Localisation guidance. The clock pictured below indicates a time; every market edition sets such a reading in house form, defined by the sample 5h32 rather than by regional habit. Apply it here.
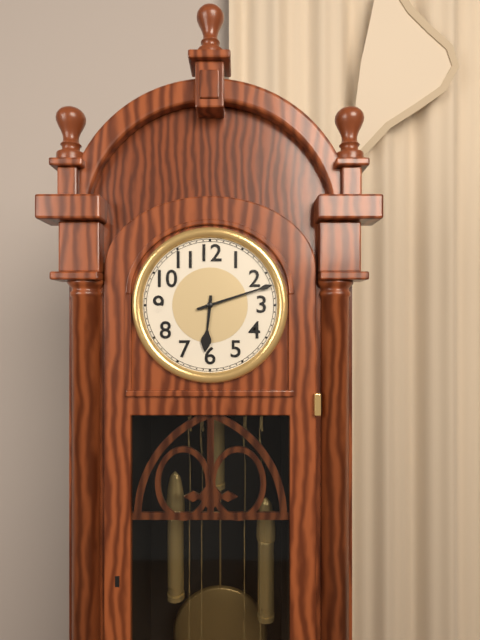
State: 6h12
